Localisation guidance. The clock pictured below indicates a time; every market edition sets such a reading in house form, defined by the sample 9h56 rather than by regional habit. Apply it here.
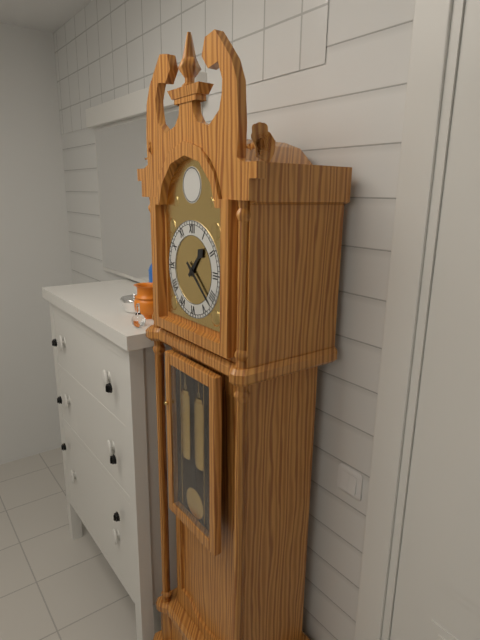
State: 1h22
